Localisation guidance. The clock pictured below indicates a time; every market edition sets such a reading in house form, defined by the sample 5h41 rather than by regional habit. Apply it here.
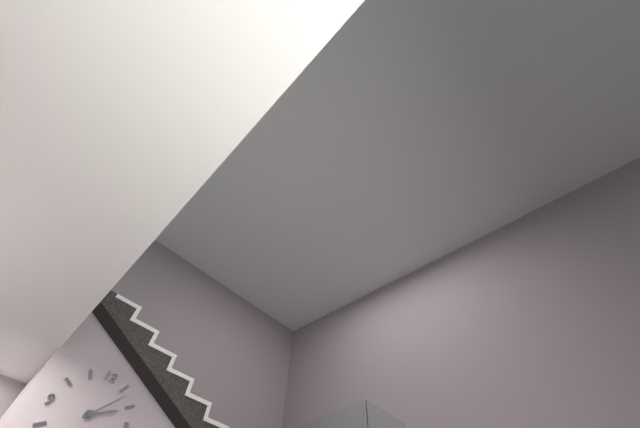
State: 2h07
